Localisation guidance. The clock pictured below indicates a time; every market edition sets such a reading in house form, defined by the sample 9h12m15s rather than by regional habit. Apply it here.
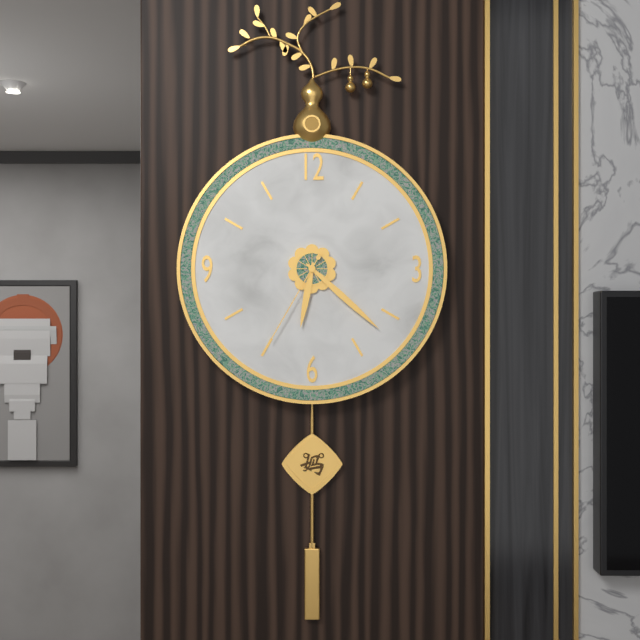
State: 6h22m35s
